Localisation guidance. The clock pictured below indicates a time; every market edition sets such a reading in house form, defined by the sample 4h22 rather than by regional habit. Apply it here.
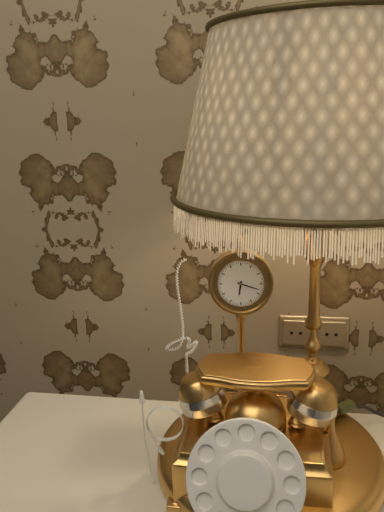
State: 6h18
